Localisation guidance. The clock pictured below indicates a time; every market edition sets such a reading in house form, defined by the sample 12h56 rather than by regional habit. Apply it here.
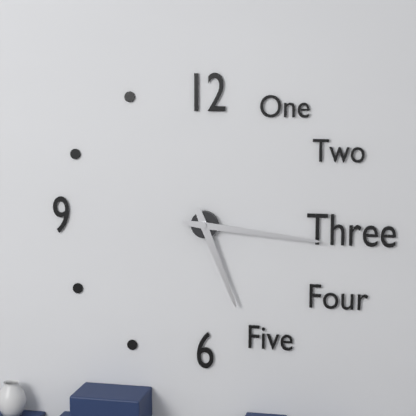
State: 5h16
